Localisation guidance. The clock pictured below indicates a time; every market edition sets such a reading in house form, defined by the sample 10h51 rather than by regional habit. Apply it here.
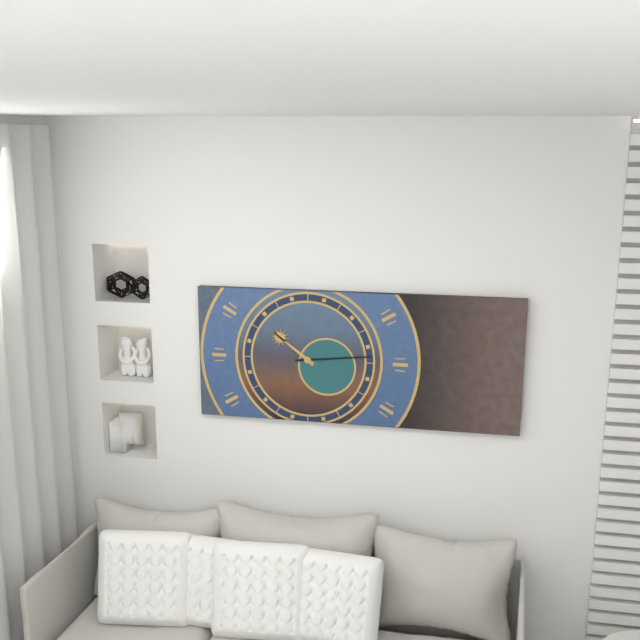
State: 10h14
